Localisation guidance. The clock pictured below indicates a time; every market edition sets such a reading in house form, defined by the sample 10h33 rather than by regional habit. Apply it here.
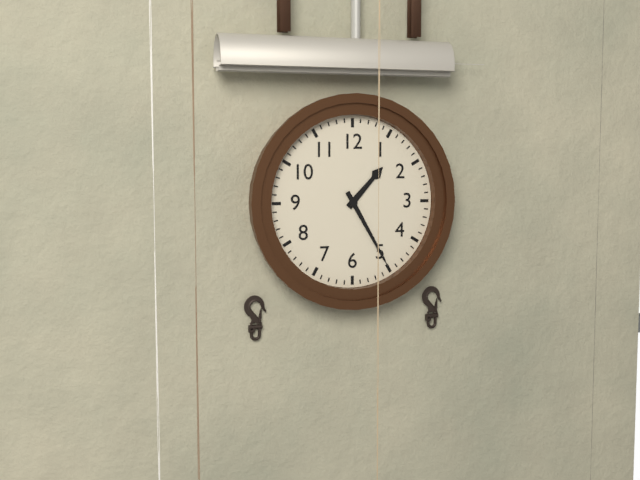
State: 1h25
